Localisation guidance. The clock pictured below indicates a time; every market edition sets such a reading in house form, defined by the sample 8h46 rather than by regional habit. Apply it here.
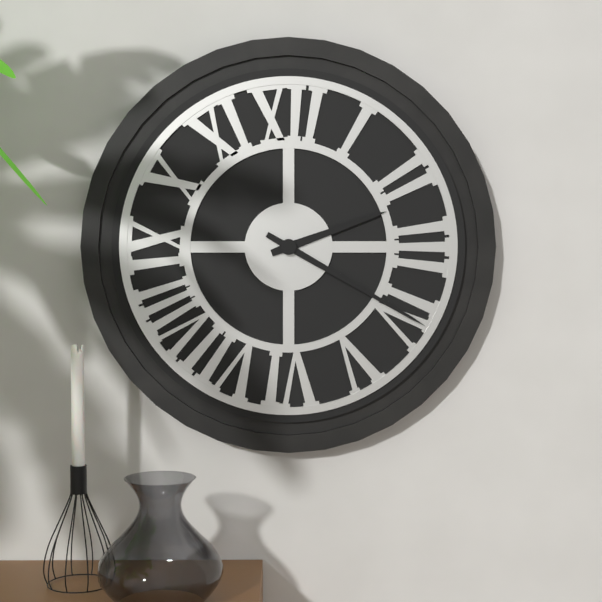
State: 2h20
